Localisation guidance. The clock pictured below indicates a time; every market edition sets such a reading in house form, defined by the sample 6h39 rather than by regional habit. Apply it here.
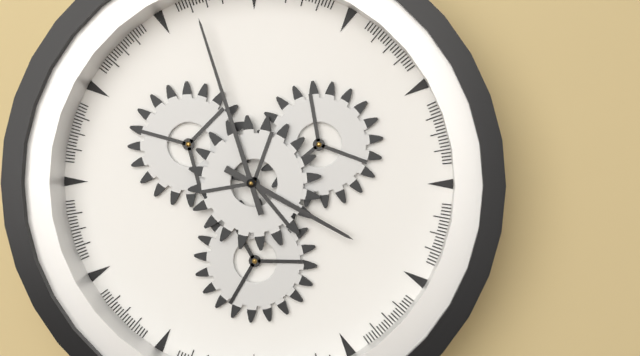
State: 3h57
